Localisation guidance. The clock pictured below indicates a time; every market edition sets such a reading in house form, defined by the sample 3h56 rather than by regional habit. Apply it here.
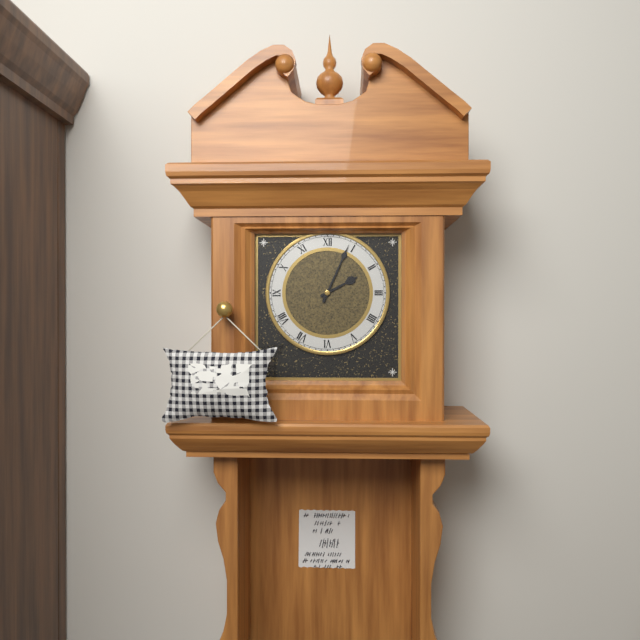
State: 2h04
